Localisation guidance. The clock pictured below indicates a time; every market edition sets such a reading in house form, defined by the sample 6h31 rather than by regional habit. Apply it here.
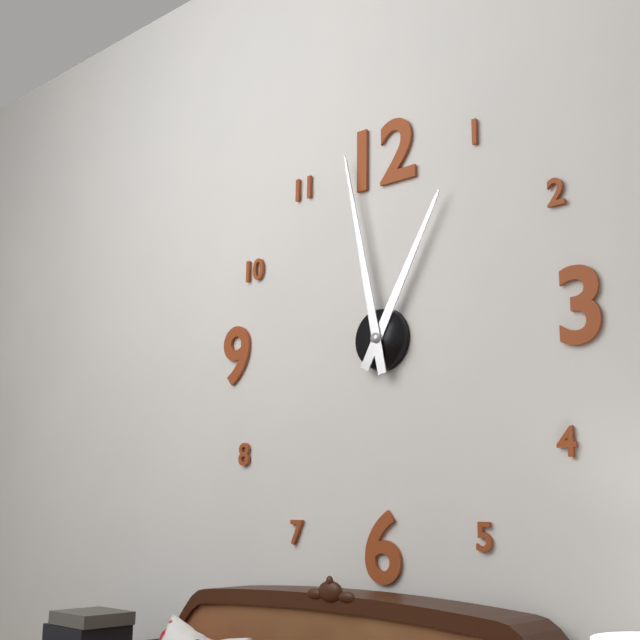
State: 12h58
